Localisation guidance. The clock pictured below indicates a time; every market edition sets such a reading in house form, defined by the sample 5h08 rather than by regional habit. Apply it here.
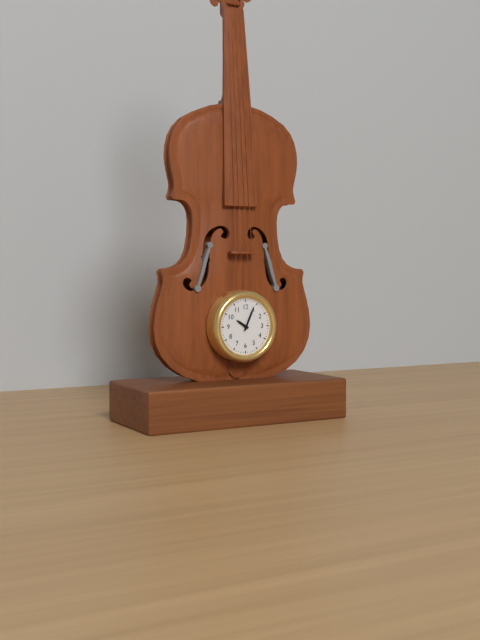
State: 10h04
